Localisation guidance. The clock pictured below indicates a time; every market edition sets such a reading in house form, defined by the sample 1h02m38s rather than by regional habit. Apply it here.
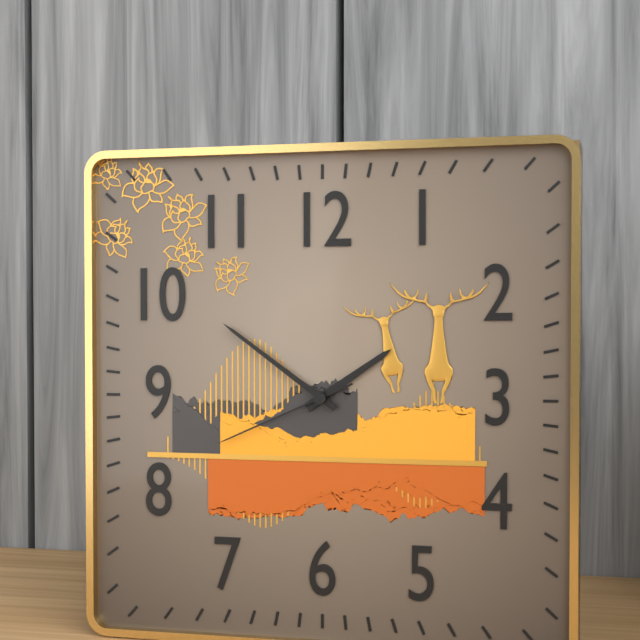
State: 1h51m41s
